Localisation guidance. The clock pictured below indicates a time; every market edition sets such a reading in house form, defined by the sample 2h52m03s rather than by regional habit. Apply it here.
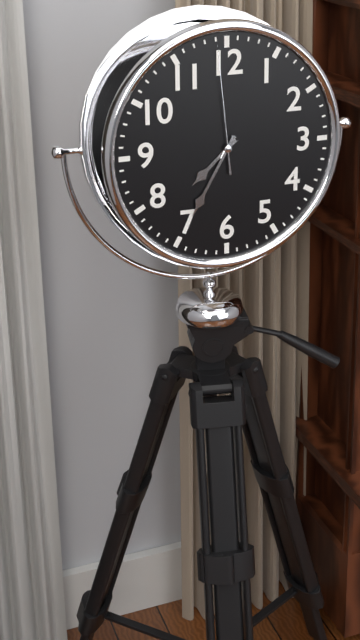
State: 7h35m59s
